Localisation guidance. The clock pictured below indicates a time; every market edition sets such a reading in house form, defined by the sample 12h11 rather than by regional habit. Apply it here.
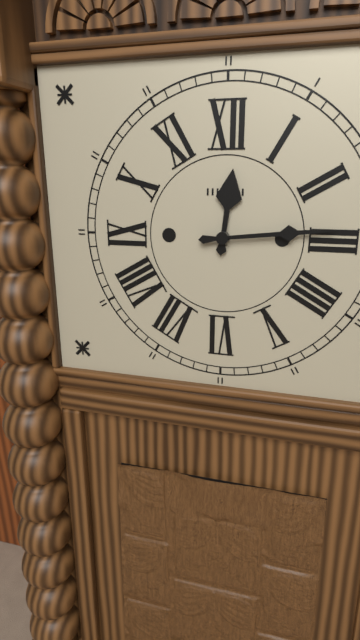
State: 12h14
